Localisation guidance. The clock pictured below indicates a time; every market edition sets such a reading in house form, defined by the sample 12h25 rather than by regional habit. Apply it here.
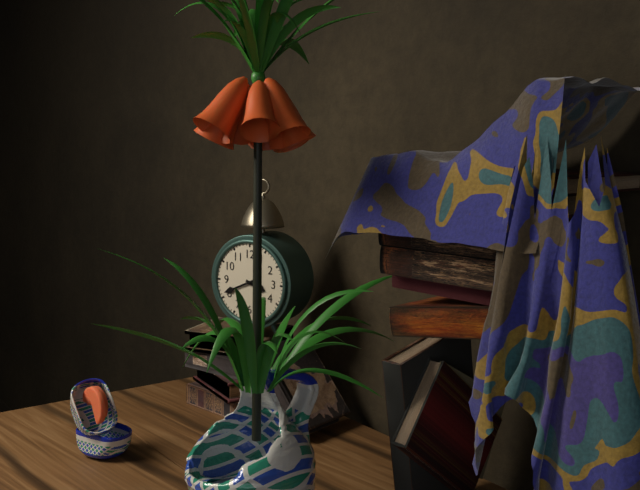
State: 3h41
